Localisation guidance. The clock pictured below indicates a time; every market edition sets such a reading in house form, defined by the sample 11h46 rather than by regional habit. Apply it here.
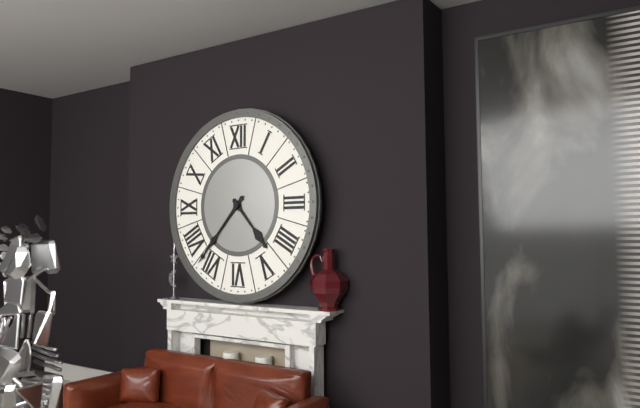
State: 4h37
